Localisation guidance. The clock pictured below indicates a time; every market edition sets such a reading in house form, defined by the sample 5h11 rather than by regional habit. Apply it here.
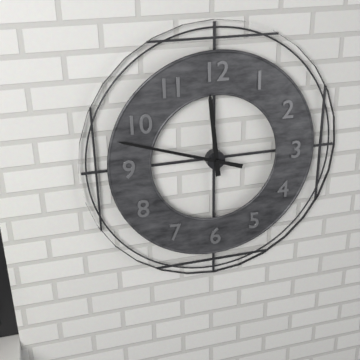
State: 11h48
